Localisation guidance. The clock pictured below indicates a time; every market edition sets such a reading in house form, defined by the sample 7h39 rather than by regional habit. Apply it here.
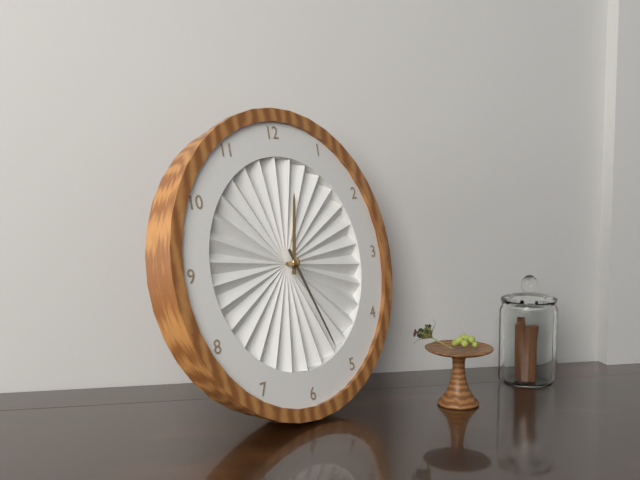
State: 12h26
